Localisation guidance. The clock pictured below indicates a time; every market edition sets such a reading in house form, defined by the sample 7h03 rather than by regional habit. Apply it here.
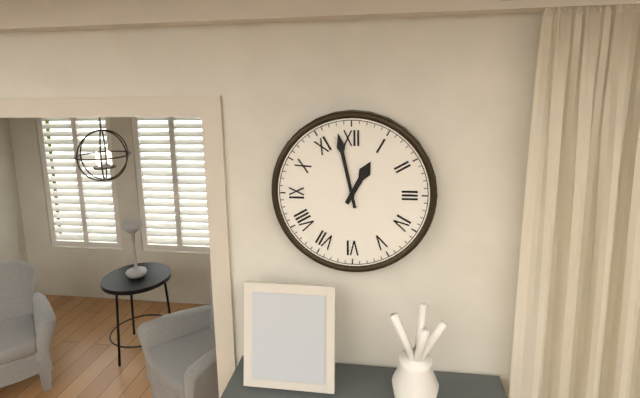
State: 12h58
